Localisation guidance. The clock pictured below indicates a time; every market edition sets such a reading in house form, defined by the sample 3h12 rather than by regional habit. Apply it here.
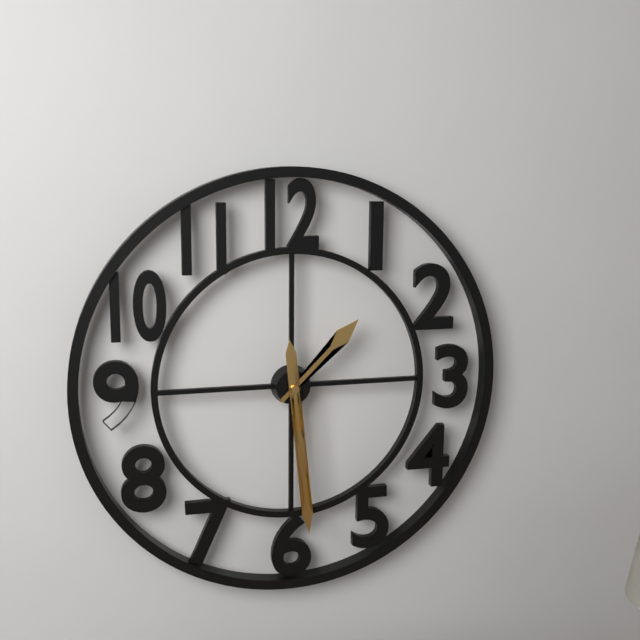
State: 1h29
